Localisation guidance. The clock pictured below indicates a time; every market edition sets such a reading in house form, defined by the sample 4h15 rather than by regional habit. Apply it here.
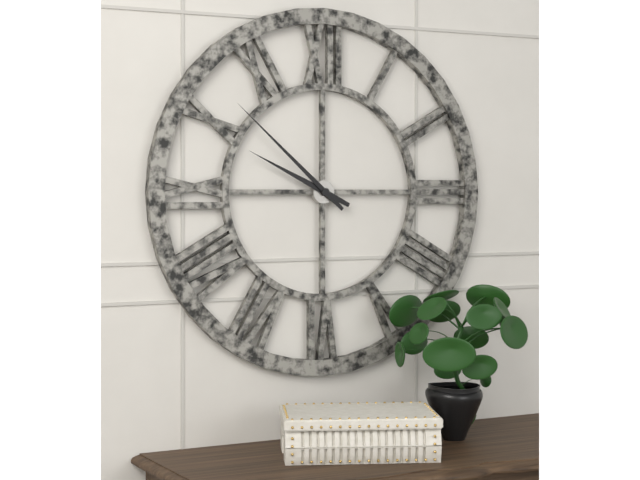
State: 9h52
